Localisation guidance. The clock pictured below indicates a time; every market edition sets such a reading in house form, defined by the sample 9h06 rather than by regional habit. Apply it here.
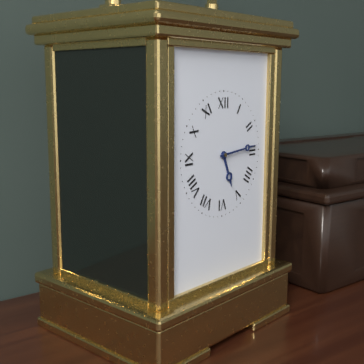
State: 5h14
